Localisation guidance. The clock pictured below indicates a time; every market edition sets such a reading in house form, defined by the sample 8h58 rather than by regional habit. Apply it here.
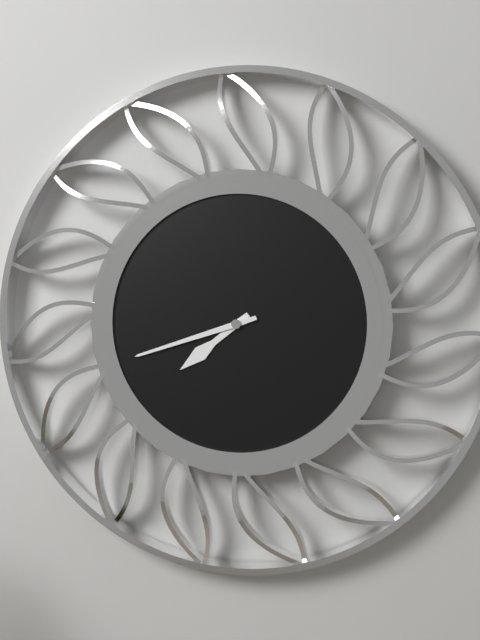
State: 7h42
